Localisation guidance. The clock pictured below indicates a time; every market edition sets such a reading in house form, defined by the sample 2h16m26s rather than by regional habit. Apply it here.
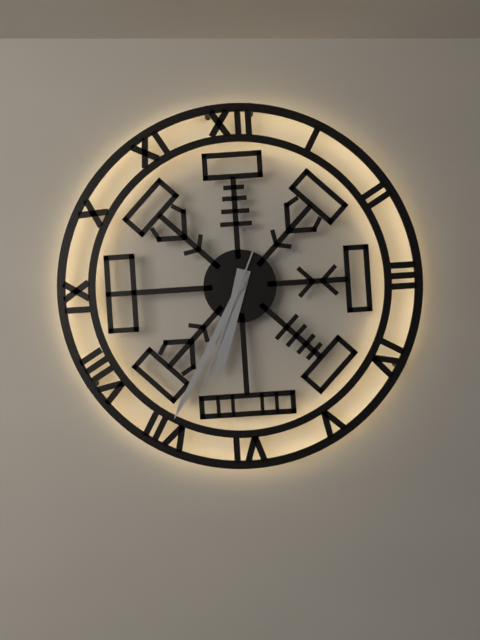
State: 6h35m34s
